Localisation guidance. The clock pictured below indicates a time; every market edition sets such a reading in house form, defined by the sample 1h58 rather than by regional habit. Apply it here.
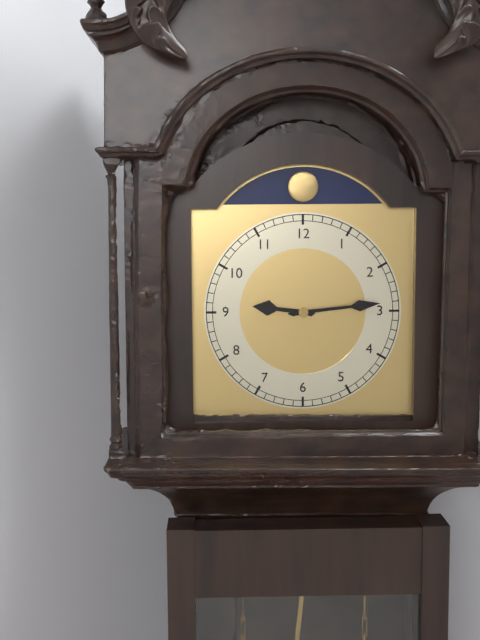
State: 9h14
